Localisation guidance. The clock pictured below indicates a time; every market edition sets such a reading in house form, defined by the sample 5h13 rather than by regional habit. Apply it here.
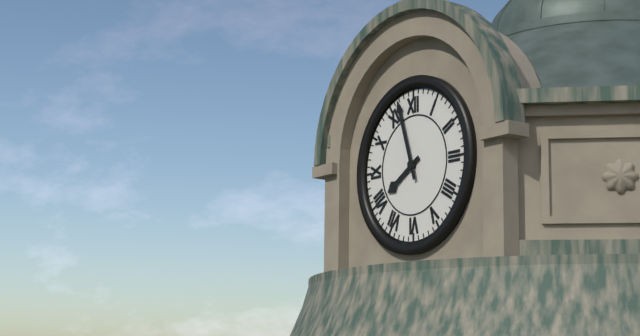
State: 7h57
